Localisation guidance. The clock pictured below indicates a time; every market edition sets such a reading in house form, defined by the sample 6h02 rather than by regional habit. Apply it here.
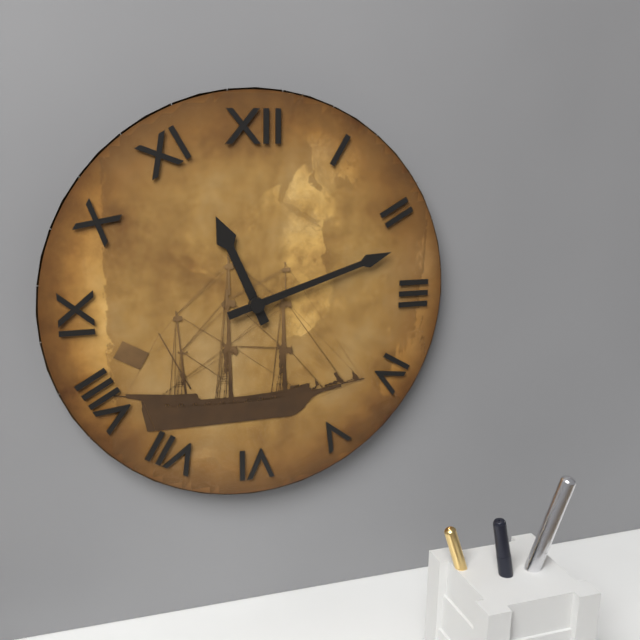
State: 11h12
